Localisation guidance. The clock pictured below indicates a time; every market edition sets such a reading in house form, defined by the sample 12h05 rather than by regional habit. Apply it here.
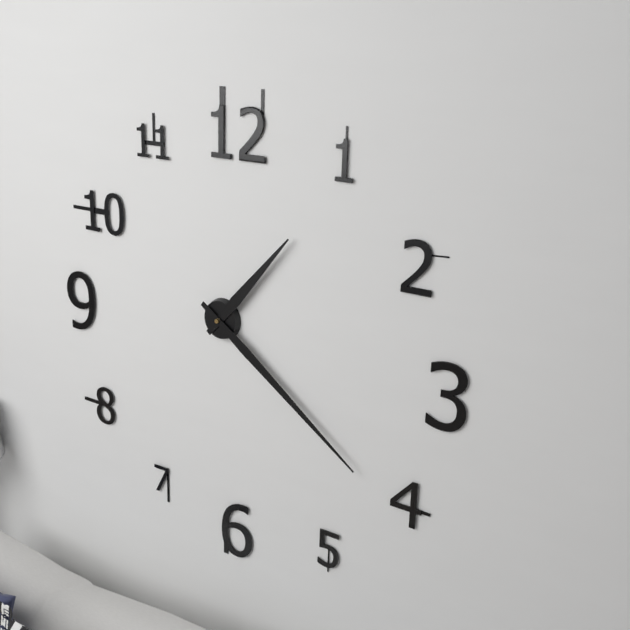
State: 1h21
